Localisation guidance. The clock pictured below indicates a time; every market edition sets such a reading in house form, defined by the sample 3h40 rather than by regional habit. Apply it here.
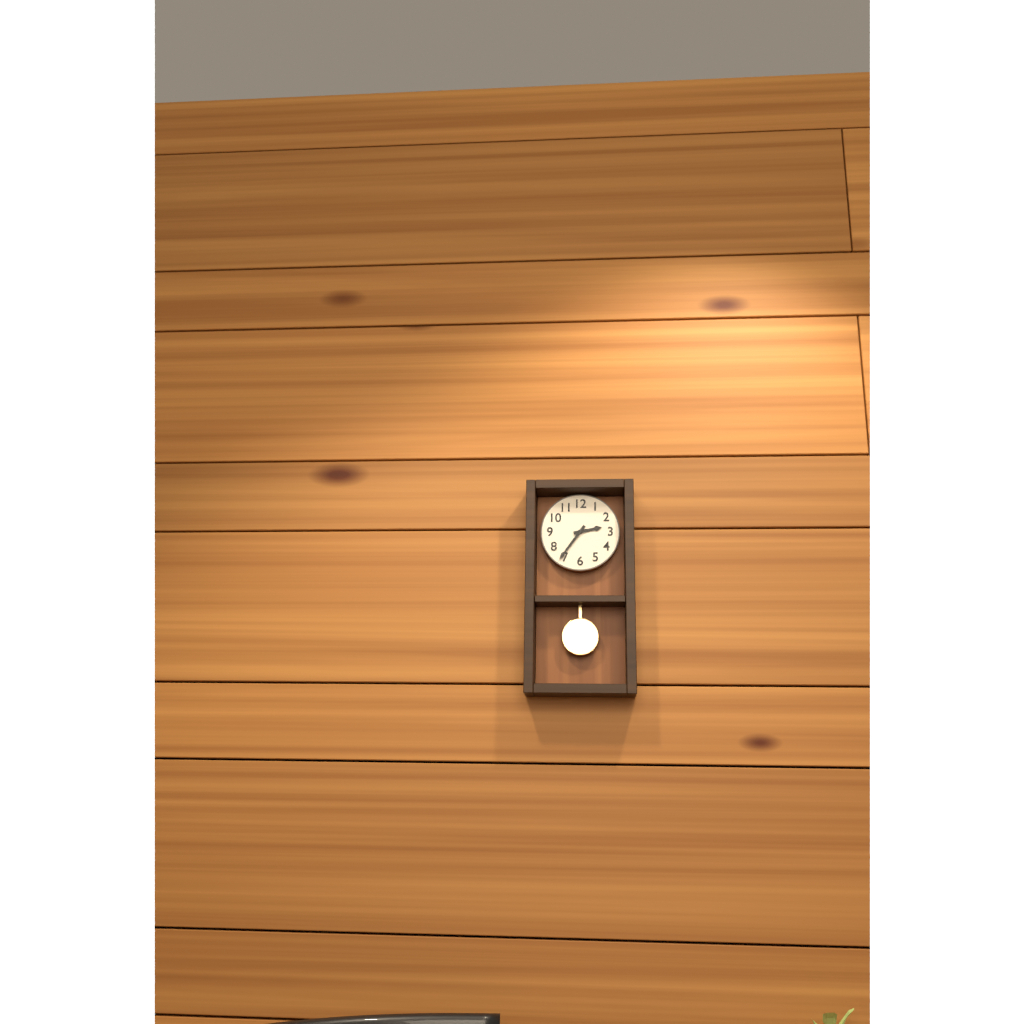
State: 2h36
